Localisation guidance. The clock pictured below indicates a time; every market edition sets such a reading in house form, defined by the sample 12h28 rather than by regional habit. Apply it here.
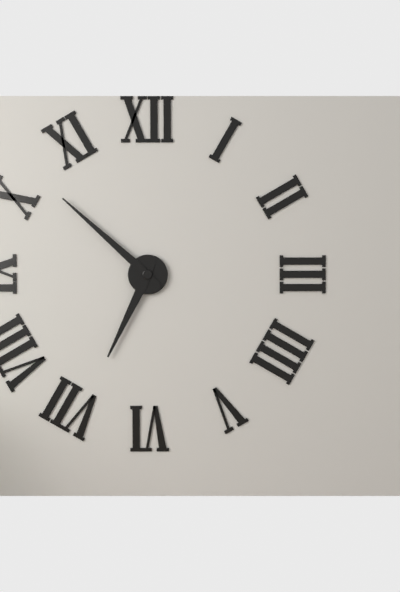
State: 6h52
